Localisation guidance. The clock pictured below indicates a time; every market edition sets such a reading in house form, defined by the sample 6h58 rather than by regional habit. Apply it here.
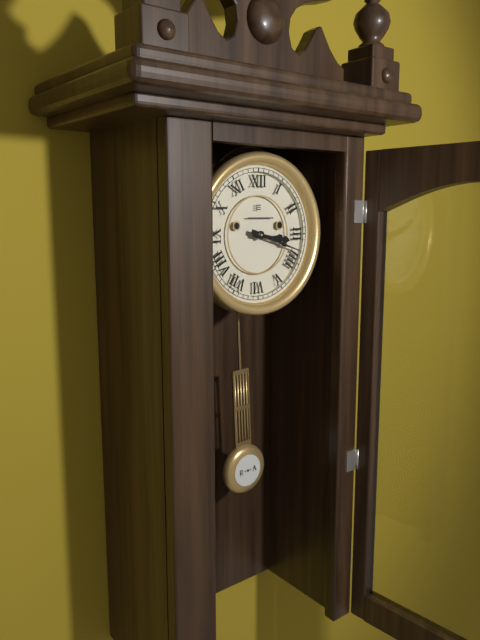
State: 3h18
